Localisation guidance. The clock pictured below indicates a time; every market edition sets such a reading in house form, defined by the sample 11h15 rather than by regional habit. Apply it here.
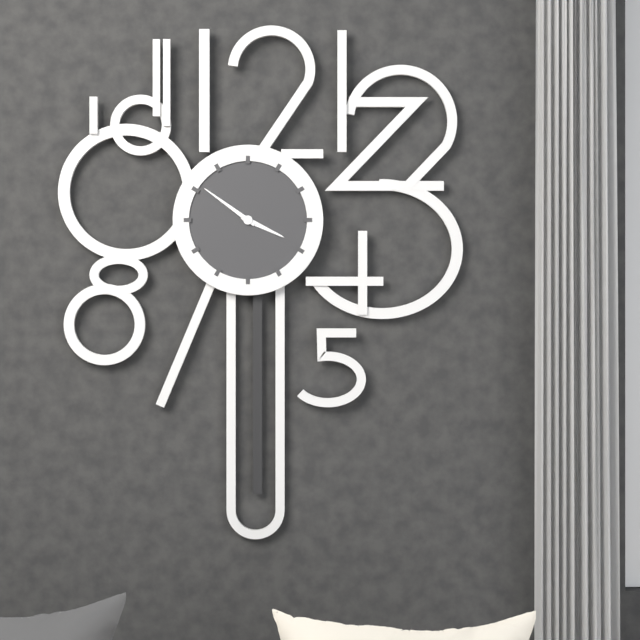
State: 3h51
